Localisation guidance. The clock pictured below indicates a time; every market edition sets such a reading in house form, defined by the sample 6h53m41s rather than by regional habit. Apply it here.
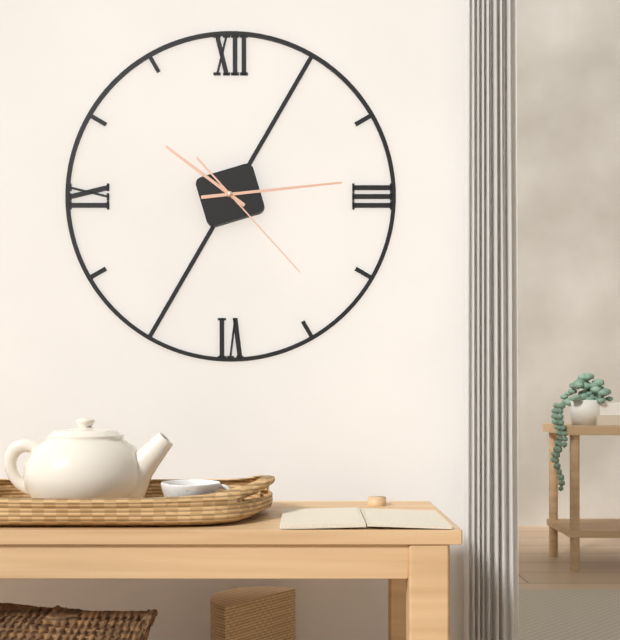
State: 10h14m23s
